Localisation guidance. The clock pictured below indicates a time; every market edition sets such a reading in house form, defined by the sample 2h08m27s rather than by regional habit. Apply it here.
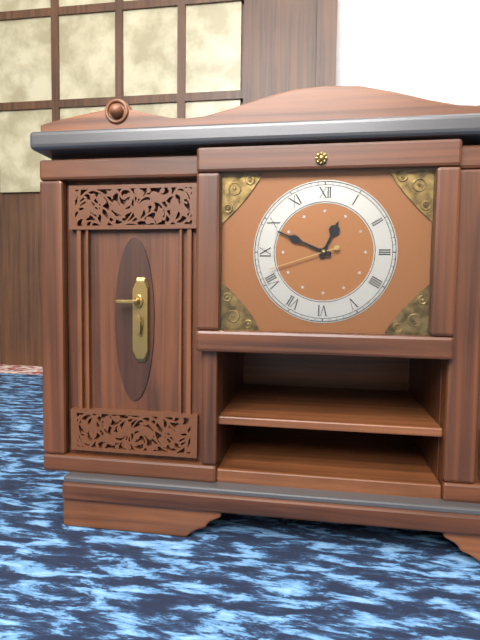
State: 12h49m42s
